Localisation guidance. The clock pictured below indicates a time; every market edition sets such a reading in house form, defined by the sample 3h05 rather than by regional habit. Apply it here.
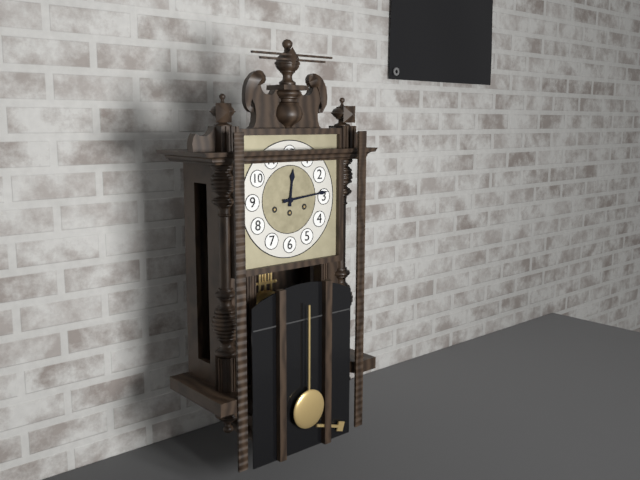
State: 12h14
